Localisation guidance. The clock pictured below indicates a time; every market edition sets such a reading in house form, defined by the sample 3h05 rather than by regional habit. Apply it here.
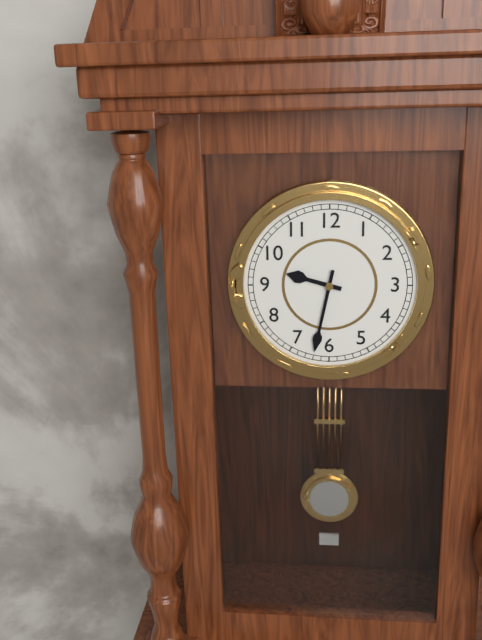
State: 9h32
